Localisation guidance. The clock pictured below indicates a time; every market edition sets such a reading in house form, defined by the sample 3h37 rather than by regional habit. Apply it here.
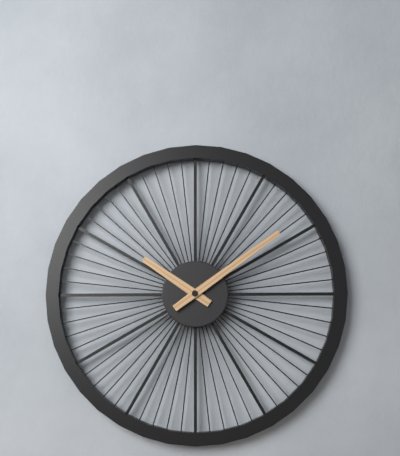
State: 10h09
